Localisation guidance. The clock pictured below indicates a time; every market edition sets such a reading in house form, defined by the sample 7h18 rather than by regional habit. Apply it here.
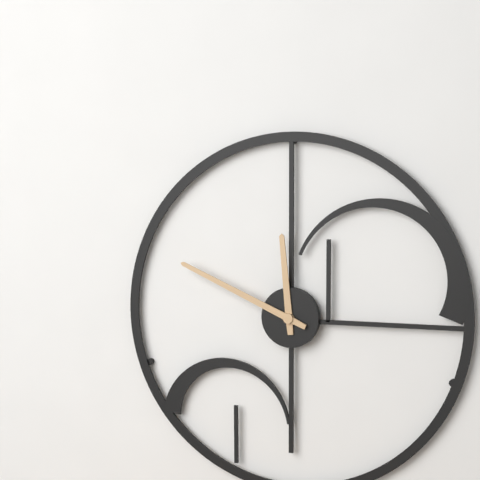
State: 11h49
